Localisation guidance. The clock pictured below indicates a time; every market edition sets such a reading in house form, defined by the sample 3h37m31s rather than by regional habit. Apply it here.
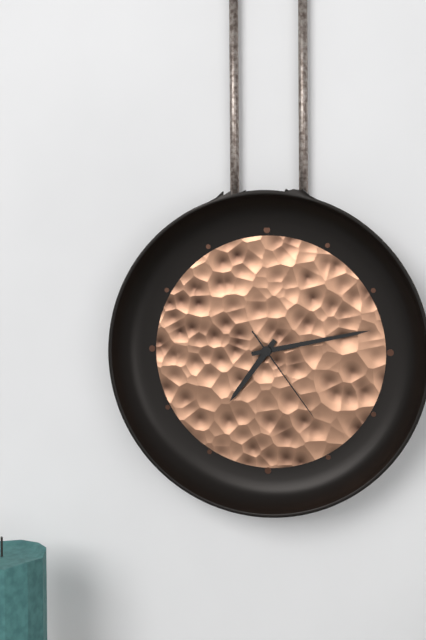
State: 7h13m24s
